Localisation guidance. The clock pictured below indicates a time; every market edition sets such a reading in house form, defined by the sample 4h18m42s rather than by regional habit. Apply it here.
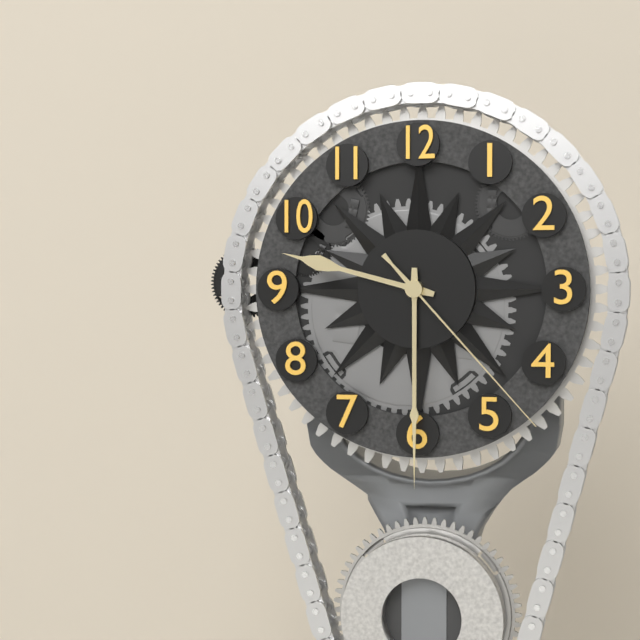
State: 9h30m23s
